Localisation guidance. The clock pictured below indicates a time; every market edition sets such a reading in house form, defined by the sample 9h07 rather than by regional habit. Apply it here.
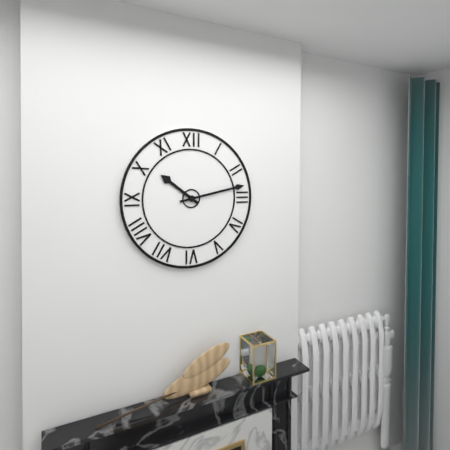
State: 10h13
